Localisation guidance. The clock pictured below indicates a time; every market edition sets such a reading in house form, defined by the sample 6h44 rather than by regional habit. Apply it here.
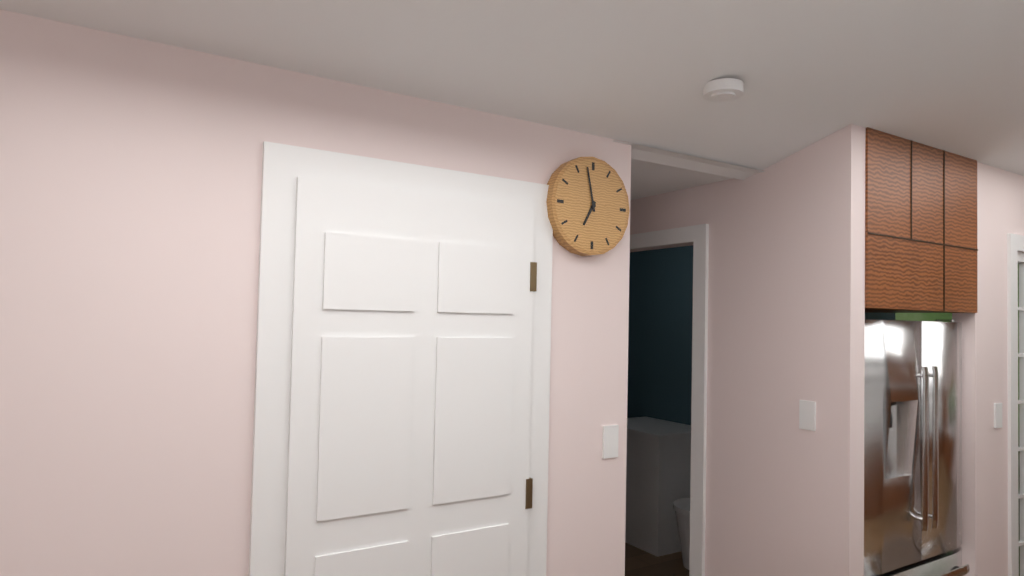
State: 6h58
